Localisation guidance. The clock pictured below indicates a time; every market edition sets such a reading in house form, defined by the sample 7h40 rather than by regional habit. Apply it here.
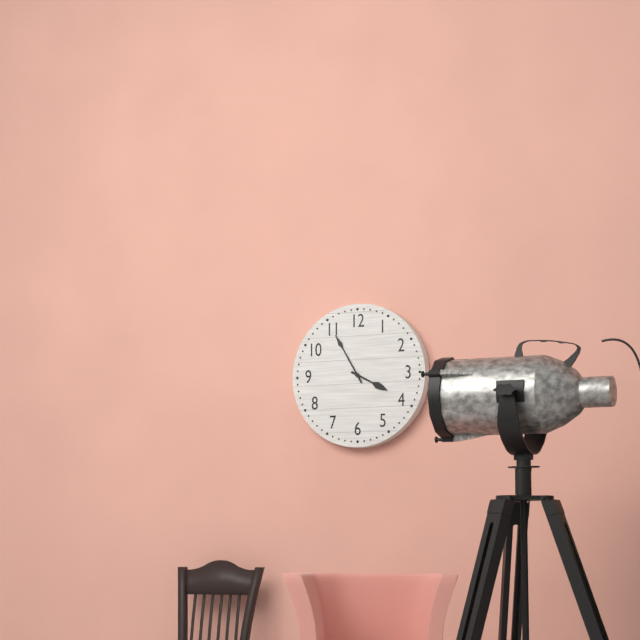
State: 3h55
